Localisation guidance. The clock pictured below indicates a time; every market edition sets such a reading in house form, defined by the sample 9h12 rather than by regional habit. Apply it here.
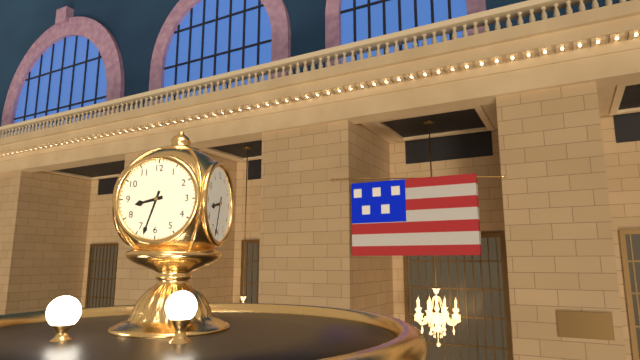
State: 8h33
